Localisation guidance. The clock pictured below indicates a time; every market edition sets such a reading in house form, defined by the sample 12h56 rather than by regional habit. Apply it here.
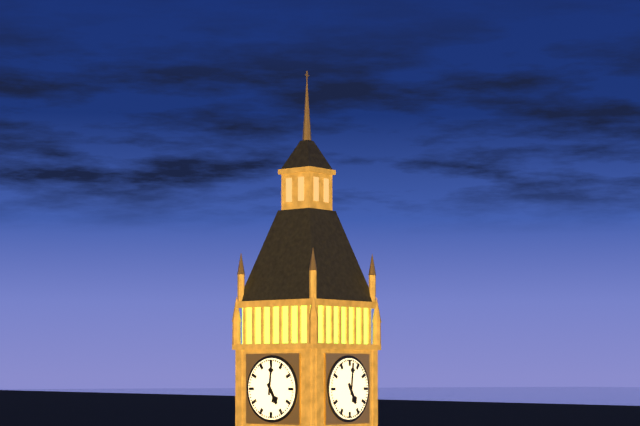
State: 5h01
